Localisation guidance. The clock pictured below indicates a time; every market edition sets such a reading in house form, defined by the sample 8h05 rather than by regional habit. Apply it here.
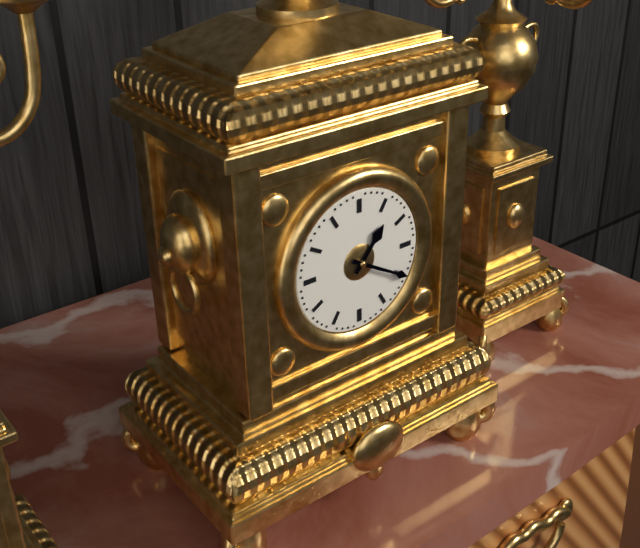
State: 1h20
